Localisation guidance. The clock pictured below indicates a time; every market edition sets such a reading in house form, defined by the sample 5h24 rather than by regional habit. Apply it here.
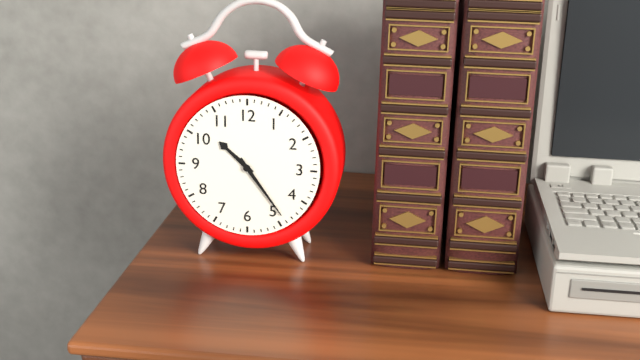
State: 10h24
